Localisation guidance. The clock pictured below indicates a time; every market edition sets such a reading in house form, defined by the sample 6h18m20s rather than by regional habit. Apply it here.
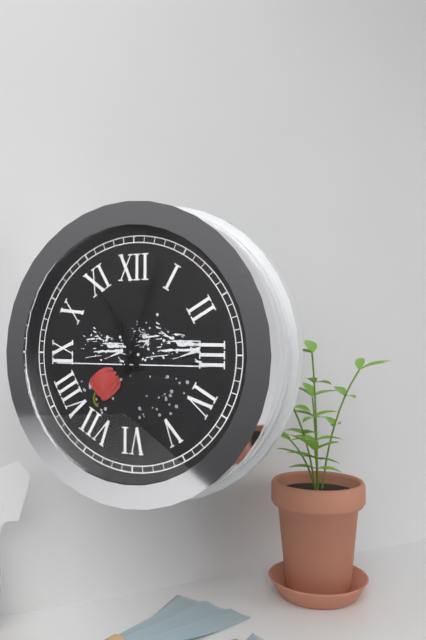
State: 11h03m06s
